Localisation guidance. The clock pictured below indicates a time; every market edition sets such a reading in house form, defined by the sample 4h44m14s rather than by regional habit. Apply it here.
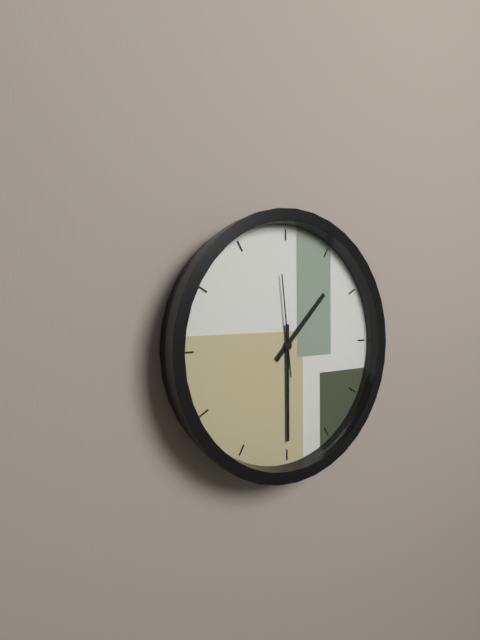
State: 1h30m59s
